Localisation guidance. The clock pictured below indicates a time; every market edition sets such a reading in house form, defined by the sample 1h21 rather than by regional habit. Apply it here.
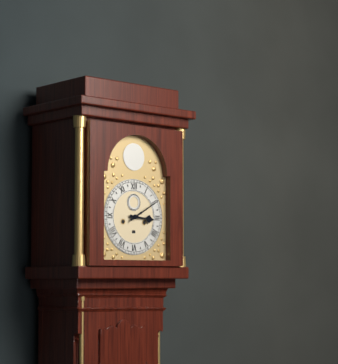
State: 3h10
